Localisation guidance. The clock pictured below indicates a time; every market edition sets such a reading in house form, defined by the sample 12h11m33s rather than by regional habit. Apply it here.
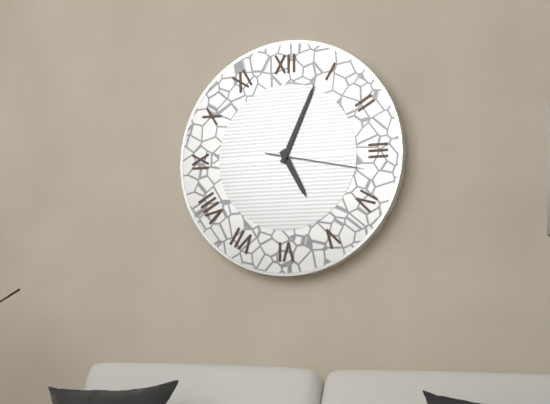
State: 5h04m17s
